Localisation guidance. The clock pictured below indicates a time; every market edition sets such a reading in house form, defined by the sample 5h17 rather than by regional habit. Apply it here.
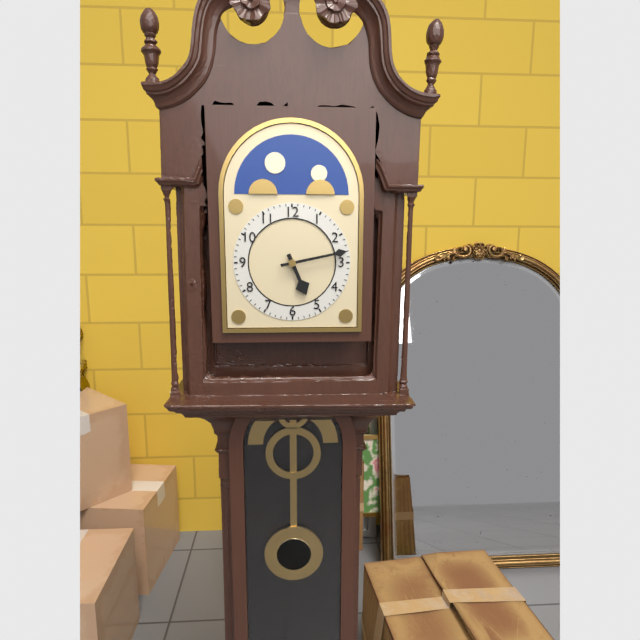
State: 5h13
